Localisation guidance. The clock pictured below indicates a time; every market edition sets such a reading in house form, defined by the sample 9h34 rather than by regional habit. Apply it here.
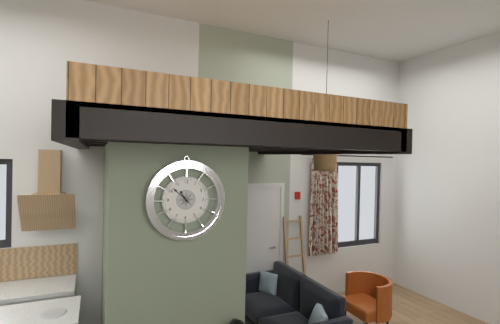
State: 10h52
